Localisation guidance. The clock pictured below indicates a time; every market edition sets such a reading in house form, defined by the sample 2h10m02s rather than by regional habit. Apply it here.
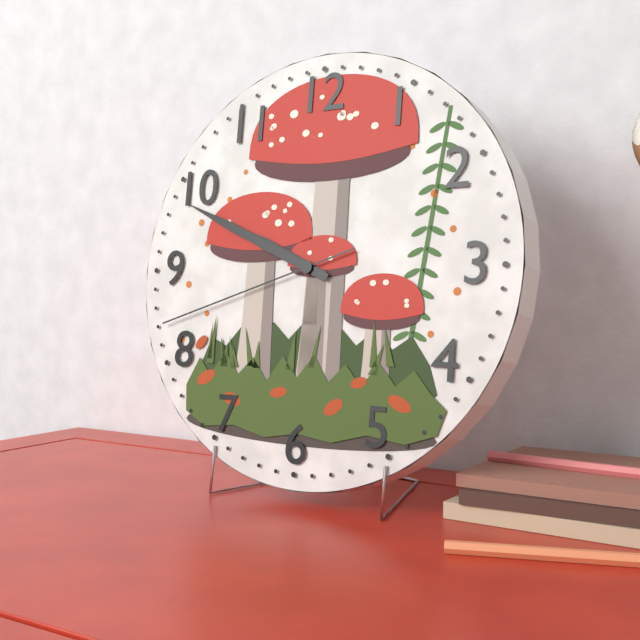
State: 9h49m42s
